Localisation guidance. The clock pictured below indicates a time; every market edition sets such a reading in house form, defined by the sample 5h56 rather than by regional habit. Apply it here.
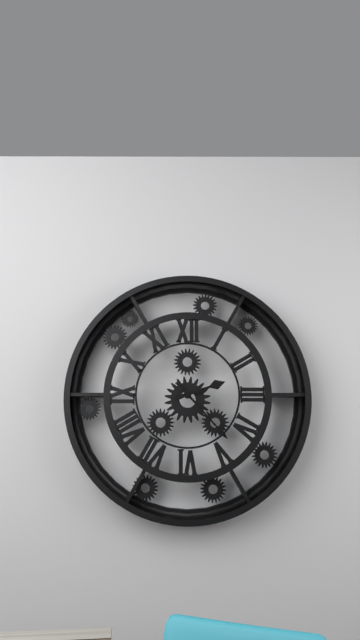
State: 2h23
